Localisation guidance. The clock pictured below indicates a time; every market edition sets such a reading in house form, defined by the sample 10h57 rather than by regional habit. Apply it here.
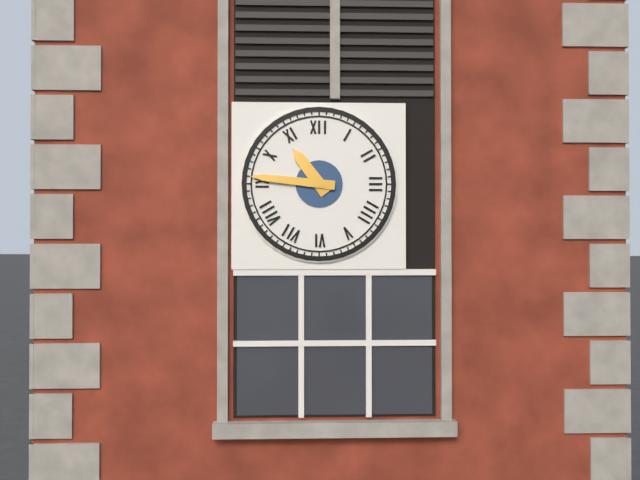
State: 10h46
